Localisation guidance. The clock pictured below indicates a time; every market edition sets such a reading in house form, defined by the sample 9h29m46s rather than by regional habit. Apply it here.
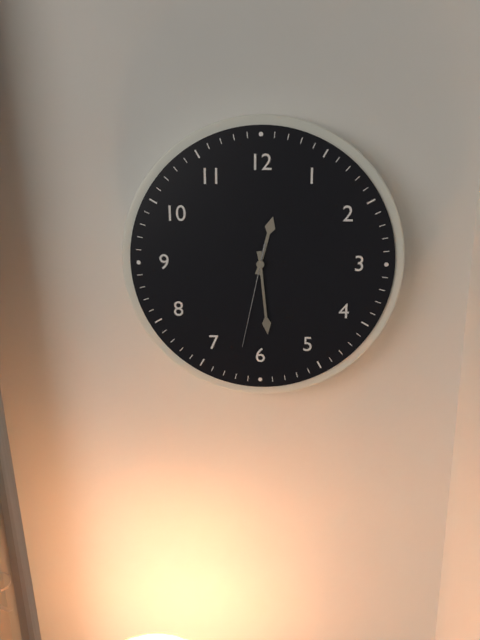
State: 12h29m32s
